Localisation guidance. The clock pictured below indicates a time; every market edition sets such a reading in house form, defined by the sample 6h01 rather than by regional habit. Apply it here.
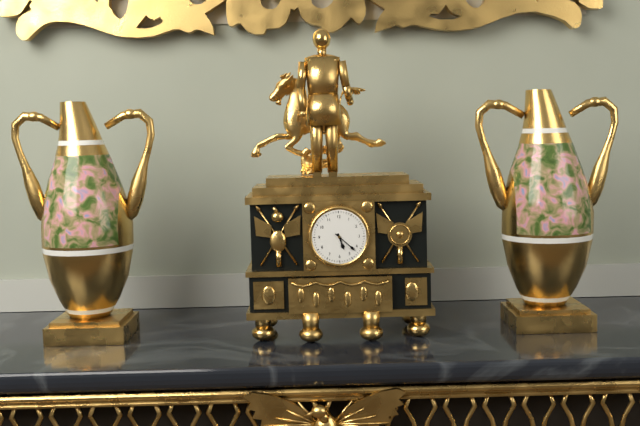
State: 5h22
